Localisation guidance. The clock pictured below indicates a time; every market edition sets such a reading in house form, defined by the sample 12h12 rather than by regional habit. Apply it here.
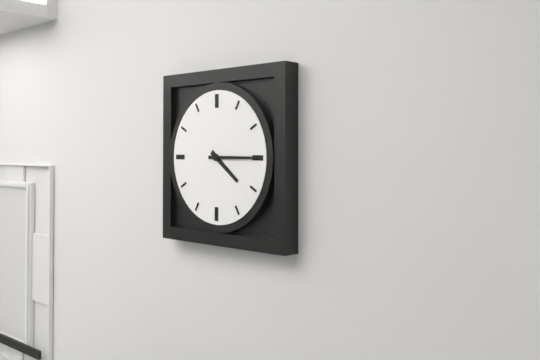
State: 4h15
